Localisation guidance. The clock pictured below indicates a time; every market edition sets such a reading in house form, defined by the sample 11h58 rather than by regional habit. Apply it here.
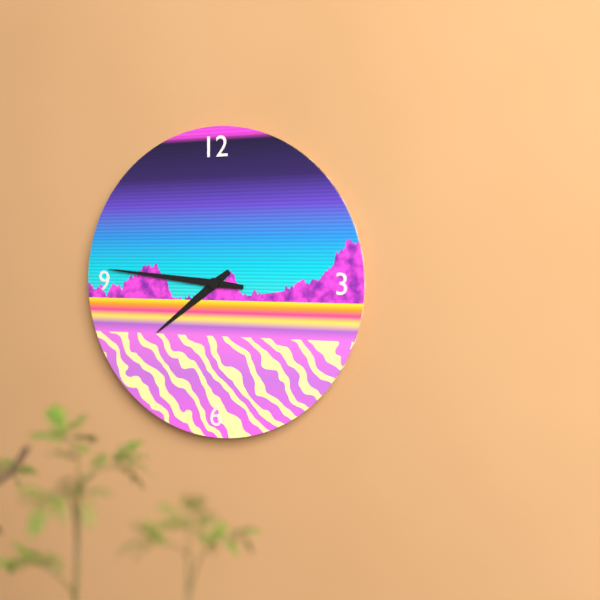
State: 7h46
